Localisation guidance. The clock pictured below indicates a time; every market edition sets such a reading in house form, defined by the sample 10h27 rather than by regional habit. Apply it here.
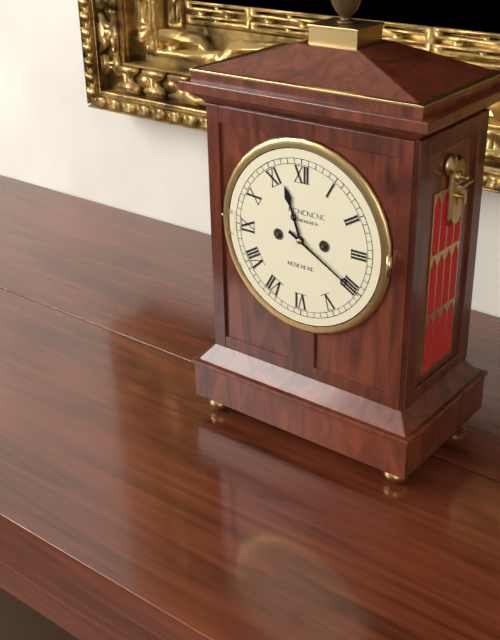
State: 11h20
